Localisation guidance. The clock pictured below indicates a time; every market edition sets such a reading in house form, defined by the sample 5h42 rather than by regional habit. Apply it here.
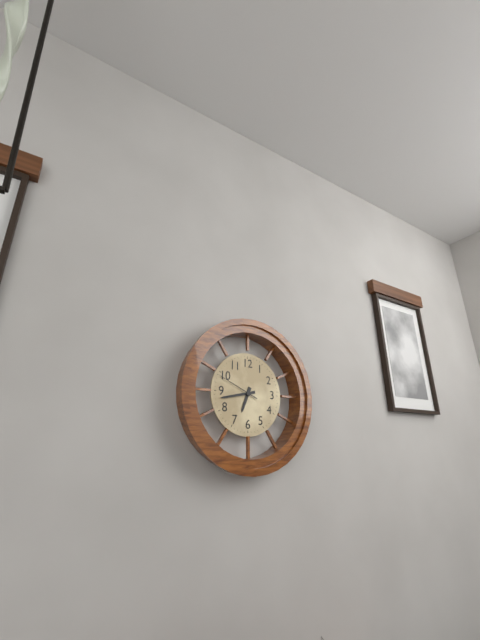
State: 6h43
